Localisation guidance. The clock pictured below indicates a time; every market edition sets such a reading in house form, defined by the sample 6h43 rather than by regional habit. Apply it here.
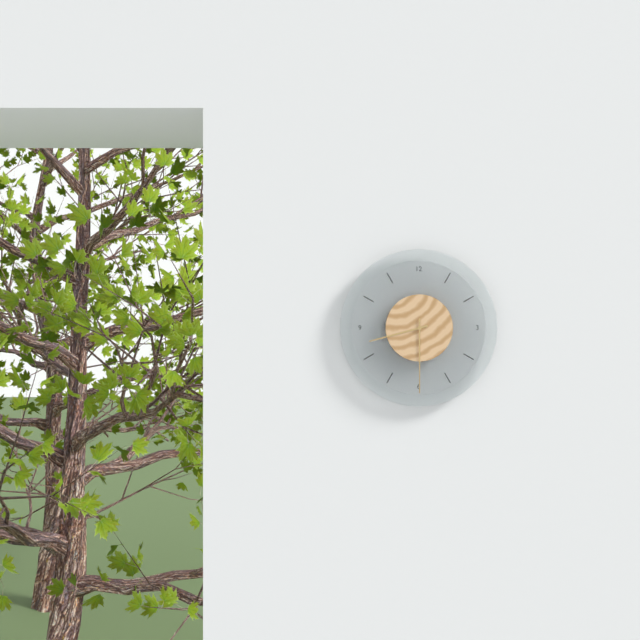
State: 8h30
